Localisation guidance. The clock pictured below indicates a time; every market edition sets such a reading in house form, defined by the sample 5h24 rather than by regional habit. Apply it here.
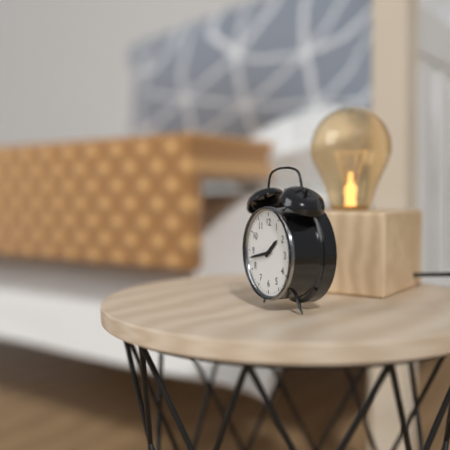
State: 1h43
